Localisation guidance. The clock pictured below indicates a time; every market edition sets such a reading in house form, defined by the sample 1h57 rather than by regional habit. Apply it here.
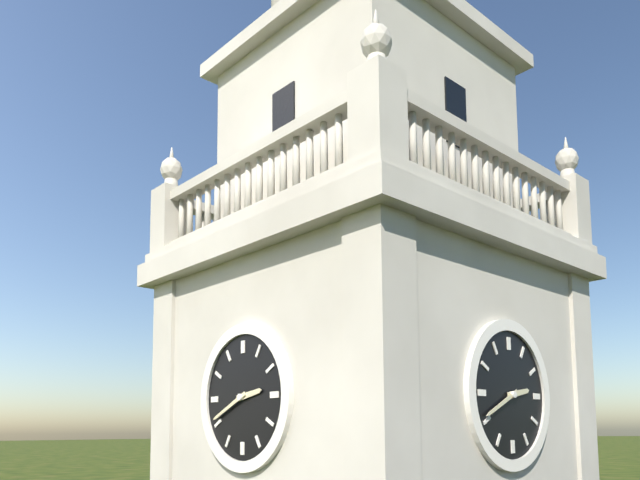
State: 2h41
